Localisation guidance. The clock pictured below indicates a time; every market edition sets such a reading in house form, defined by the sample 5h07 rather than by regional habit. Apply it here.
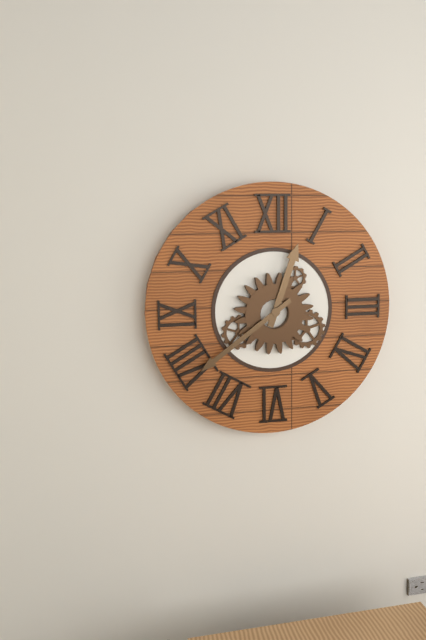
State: 12h39
